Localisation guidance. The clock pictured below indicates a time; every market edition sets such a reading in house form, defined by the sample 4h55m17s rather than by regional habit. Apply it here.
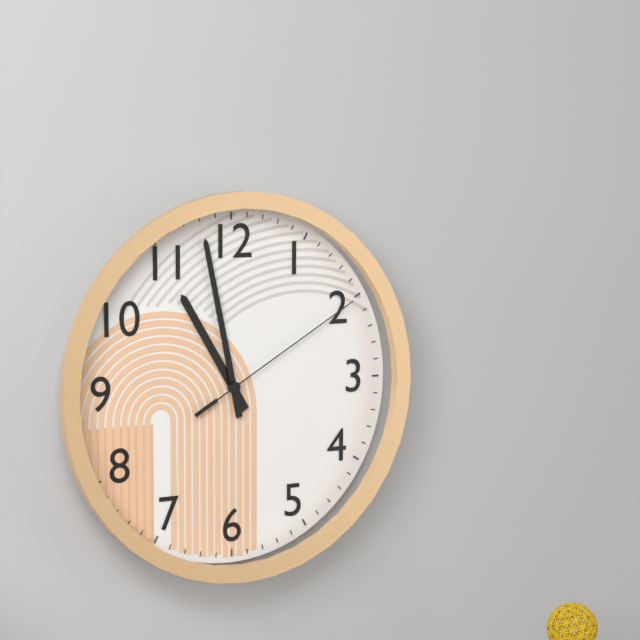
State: 10h58m10s
